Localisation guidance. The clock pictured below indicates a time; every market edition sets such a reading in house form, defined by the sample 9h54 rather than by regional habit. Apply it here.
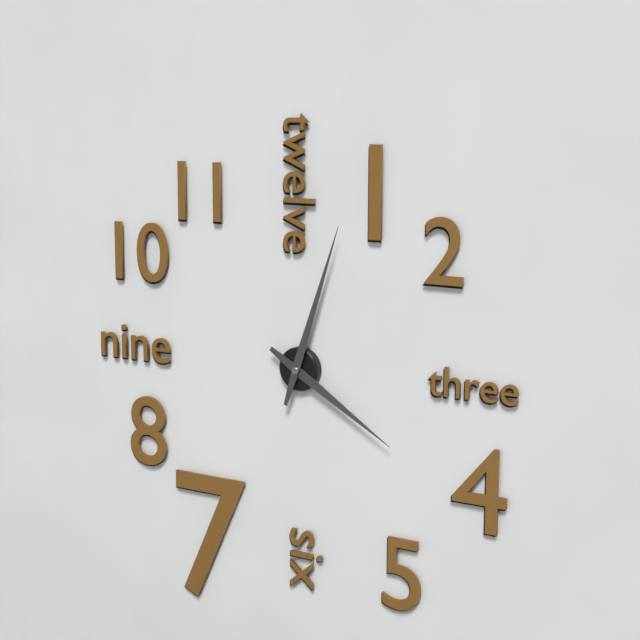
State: 4h03
